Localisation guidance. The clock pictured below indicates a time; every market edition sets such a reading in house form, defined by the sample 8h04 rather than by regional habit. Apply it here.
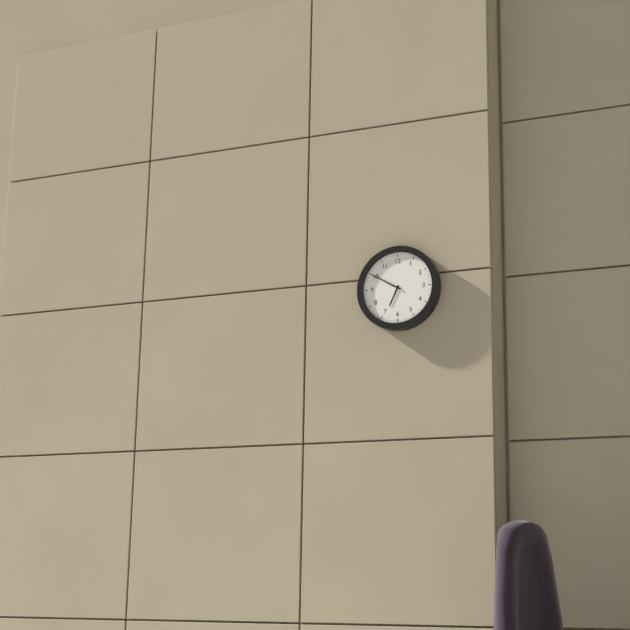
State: 6h50
